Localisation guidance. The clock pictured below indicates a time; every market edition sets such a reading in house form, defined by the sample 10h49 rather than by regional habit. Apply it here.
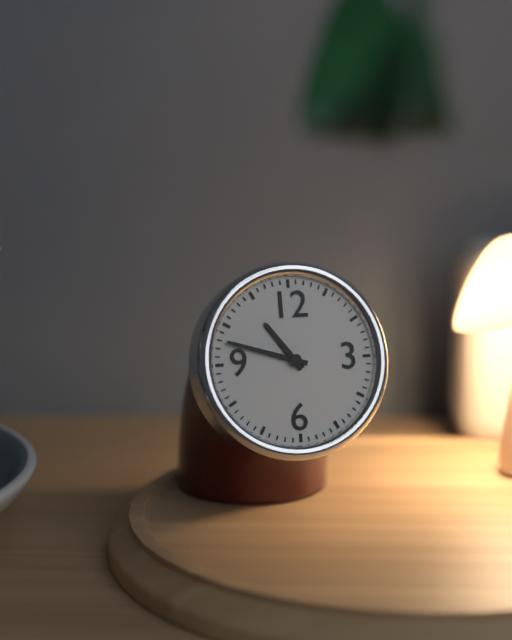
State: 10h48
